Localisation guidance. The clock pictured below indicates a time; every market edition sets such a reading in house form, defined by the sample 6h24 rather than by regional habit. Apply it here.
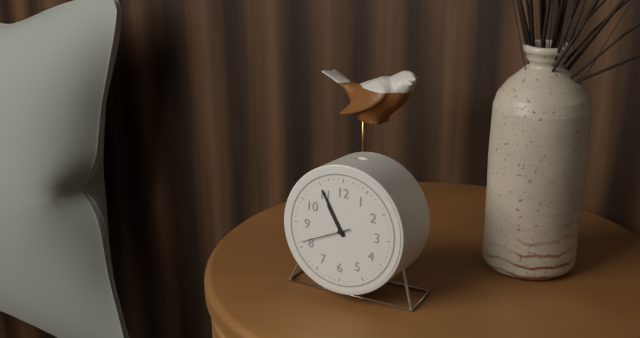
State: 10h55
